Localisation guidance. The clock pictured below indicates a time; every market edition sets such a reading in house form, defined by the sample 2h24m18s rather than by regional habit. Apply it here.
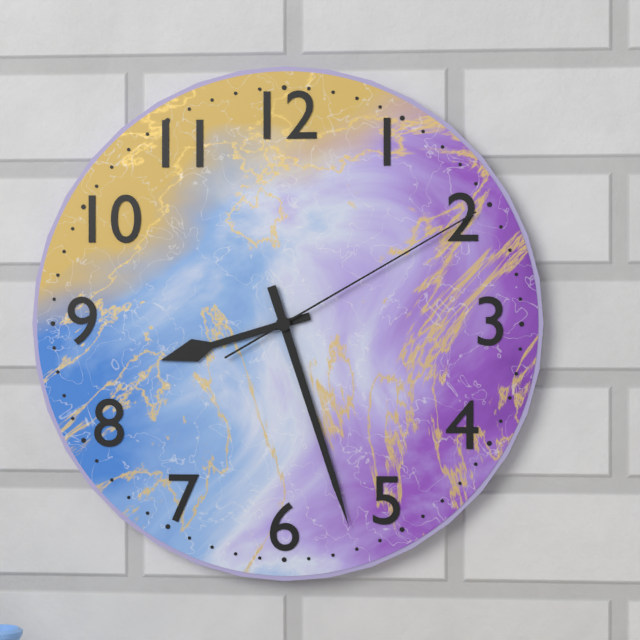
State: 8h27m10s
